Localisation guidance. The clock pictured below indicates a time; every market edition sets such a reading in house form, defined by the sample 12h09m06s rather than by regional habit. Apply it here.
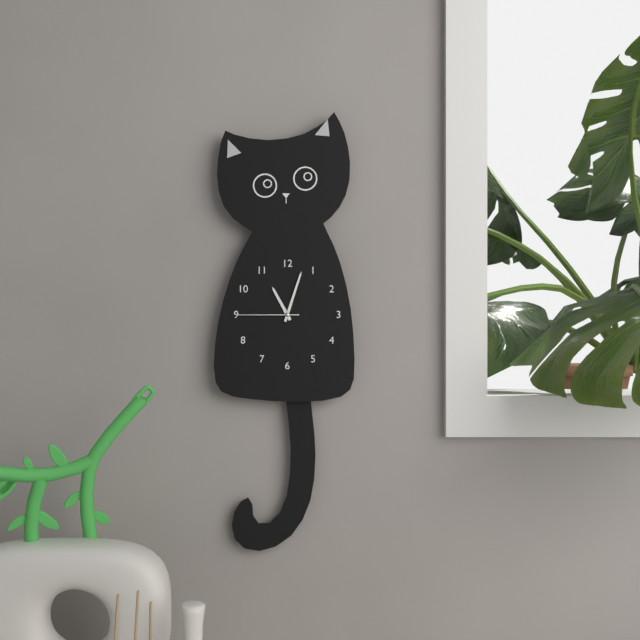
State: 11h03m45s
